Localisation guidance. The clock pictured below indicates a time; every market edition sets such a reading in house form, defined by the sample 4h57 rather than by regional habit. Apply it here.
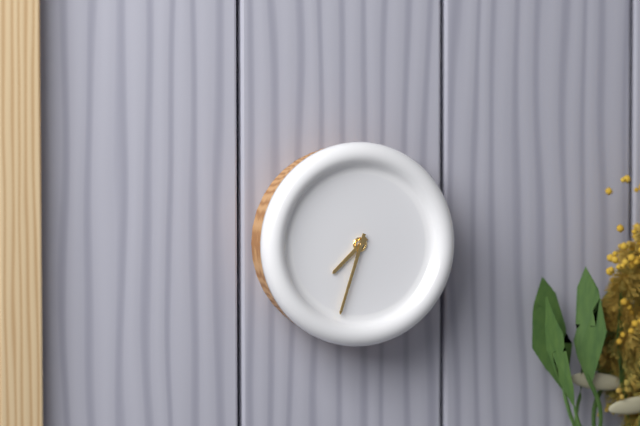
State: 7h33
